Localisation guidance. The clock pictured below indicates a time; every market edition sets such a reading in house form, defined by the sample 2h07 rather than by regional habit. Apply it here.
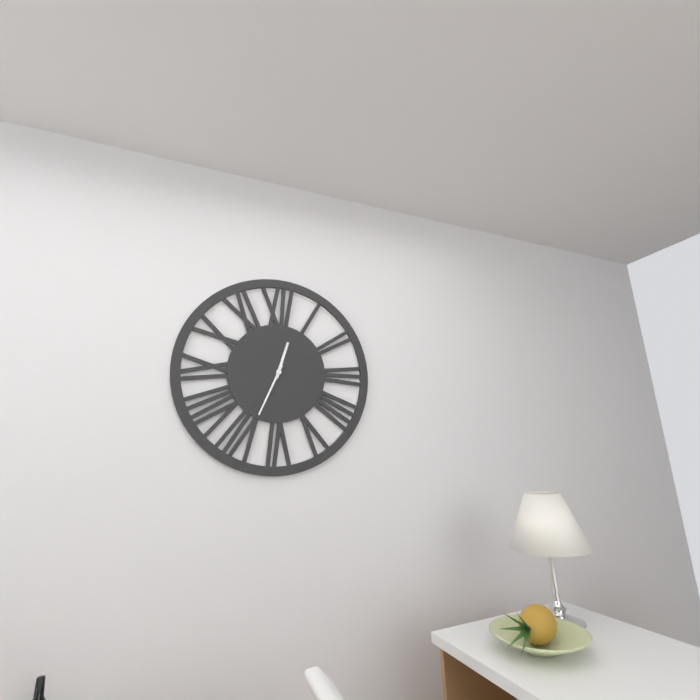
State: 12h34
